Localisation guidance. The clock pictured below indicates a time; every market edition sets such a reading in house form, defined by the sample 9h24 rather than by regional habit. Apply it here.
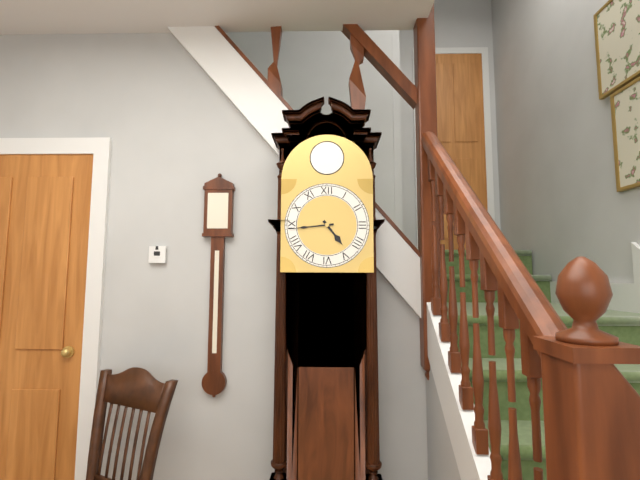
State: 4h44
